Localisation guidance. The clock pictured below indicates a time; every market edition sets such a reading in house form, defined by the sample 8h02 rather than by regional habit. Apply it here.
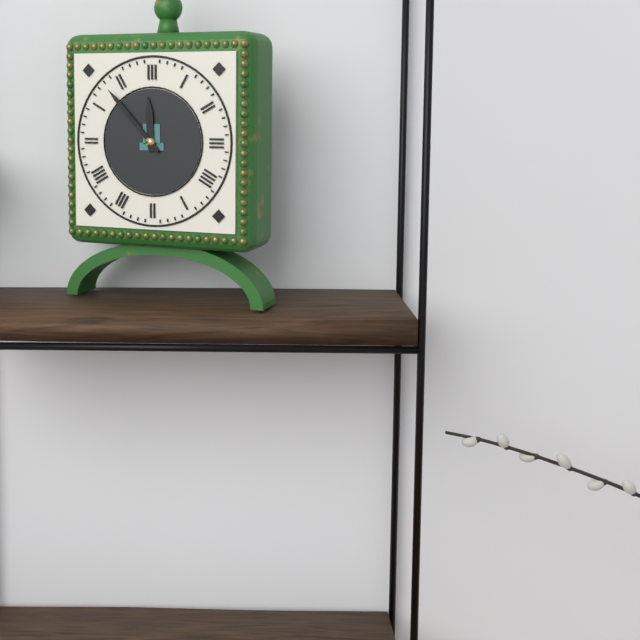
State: 11h53
